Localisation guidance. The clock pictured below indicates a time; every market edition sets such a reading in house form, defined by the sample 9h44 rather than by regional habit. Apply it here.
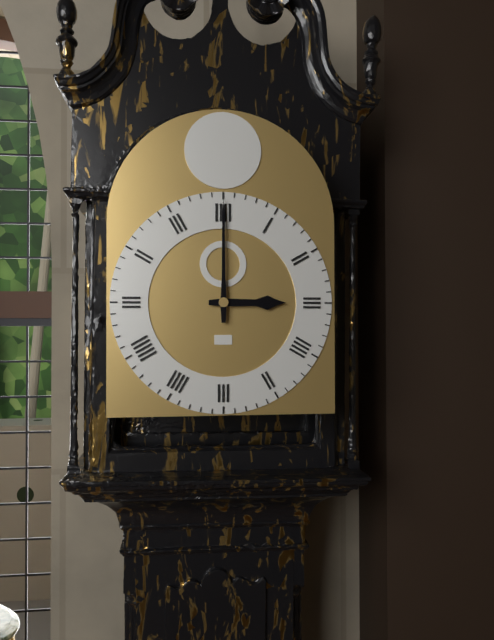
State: 3h00
